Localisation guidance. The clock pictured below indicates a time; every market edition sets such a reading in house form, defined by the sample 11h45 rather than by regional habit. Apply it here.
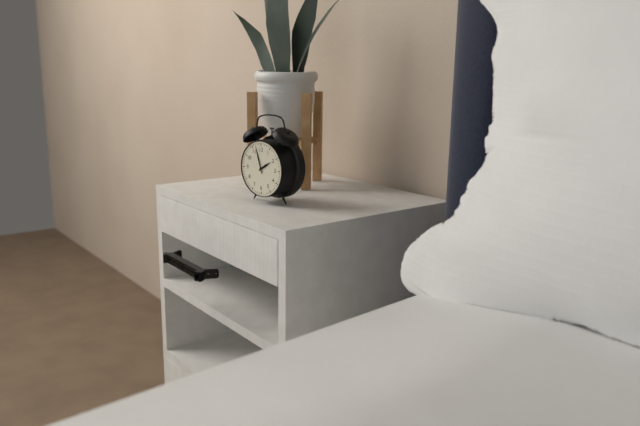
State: 1h57
